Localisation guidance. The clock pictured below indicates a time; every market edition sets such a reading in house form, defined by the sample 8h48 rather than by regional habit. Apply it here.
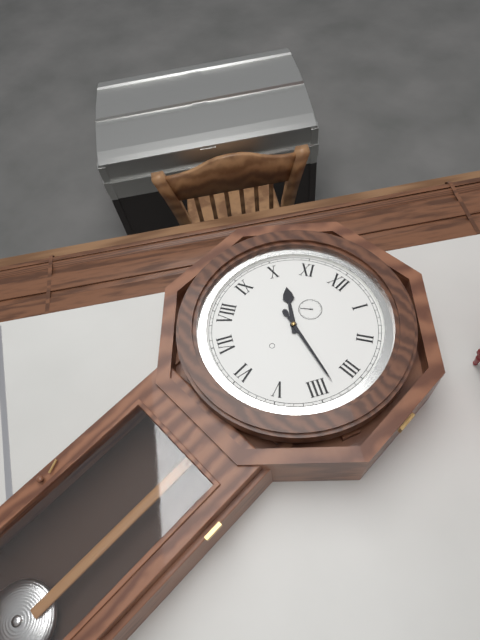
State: 10h18
